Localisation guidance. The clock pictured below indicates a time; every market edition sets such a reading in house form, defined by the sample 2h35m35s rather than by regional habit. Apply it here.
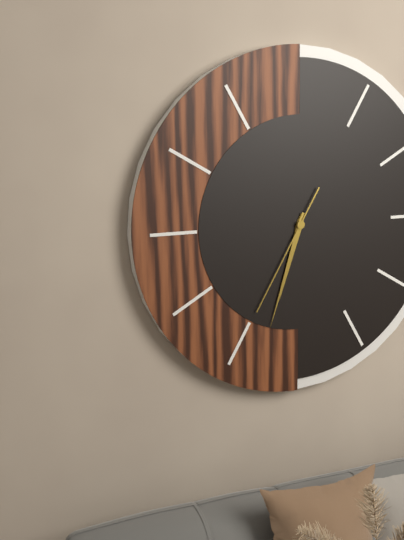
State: 6h33m35s
